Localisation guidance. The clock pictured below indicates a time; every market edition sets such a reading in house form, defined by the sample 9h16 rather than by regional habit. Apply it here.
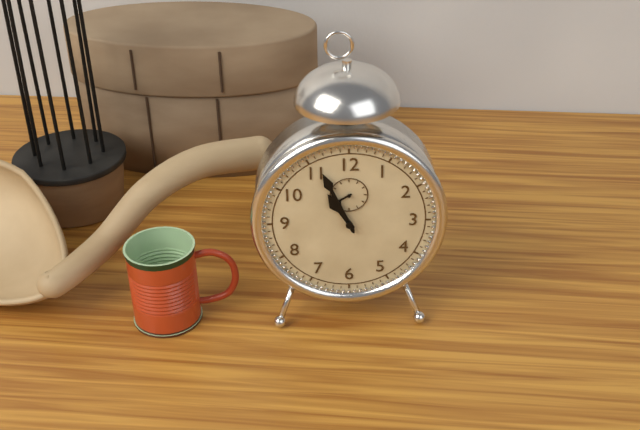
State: 10h56
